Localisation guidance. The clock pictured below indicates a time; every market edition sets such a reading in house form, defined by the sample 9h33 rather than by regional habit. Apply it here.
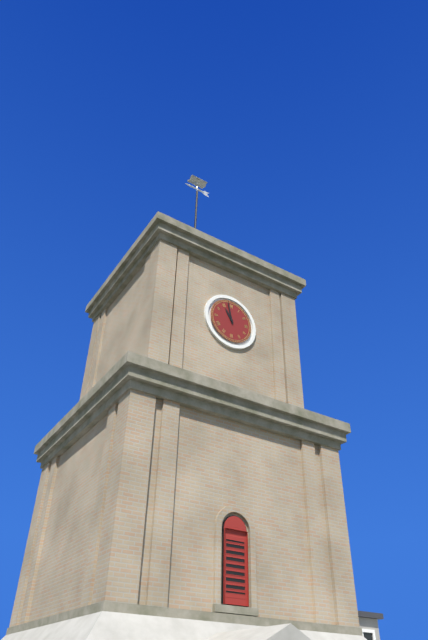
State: 10h58
